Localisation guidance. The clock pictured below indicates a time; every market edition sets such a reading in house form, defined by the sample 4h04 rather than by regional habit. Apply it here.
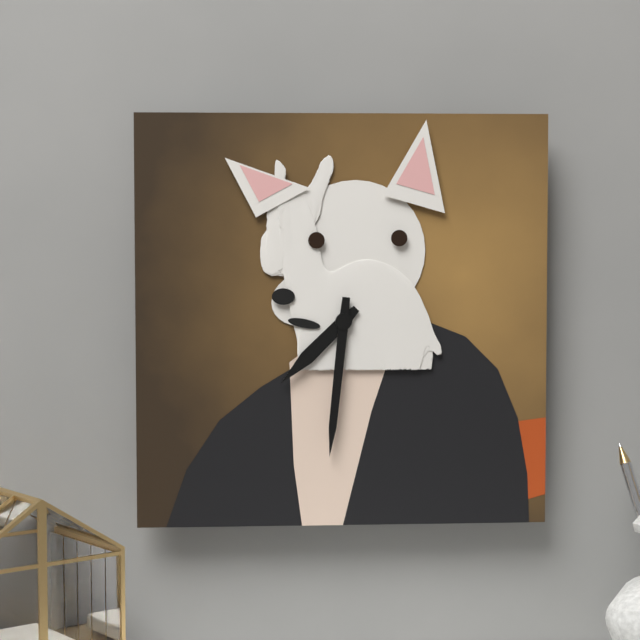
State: 7h31
